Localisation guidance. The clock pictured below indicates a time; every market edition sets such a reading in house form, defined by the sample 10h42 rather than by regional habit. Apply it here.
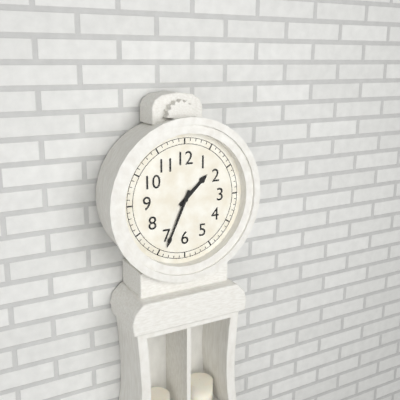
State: 1h34
